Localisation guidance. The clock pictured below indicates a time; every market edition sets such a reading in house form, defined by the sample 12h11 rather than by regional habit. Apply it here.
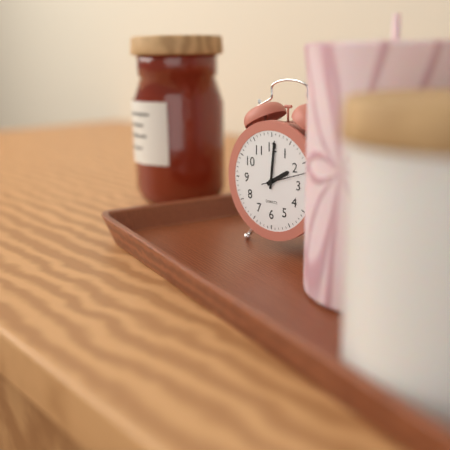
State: 2h01
